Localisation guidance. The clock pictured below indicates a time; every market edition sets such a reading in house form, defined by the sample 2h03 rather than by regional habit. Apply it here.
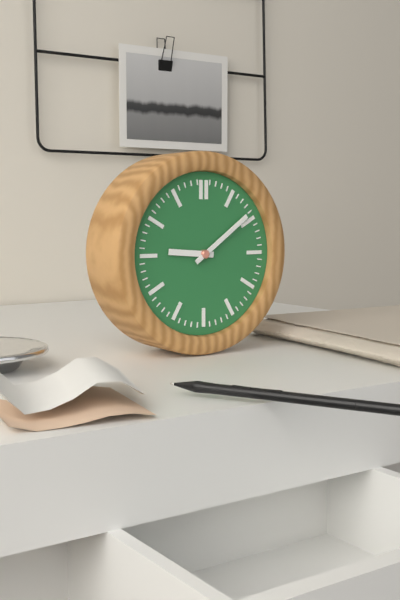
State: 9h09
